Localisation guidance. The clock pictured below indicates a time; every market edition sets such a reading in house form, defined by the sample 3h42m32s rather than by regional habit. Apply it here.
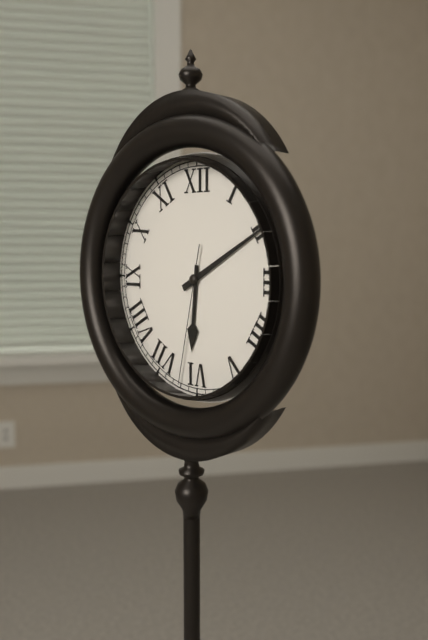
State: 6h10m32s
